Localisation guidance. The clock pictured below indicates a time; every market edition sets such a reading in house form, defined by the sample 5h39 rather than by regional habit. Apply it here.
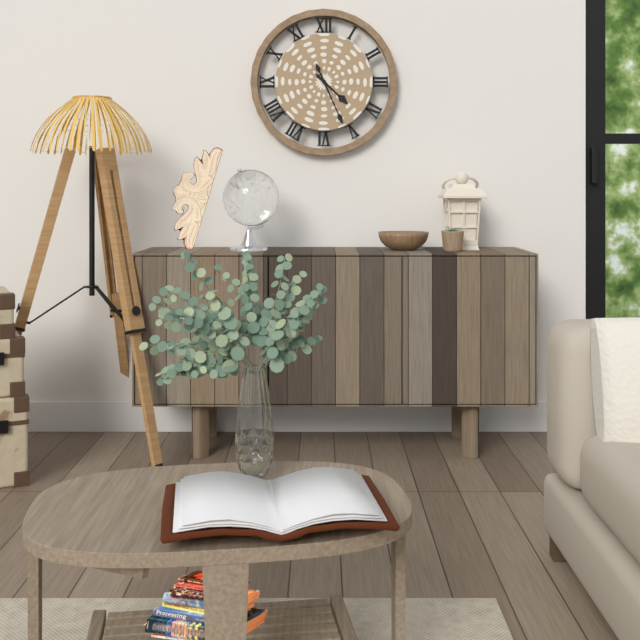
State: 4h26
